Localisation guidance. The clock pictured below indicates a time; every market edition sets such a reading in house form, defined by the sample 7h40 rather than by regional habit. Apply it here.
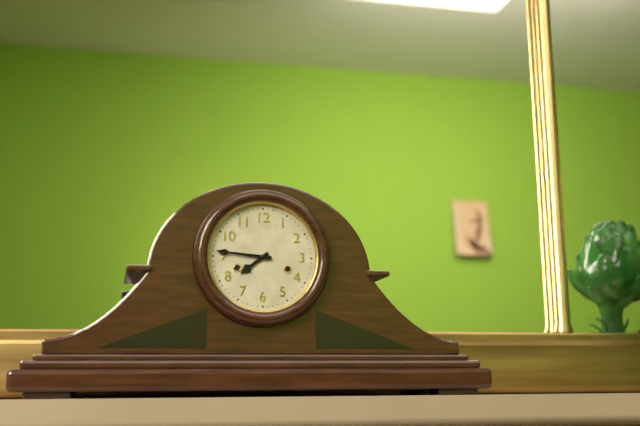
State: 7h46
